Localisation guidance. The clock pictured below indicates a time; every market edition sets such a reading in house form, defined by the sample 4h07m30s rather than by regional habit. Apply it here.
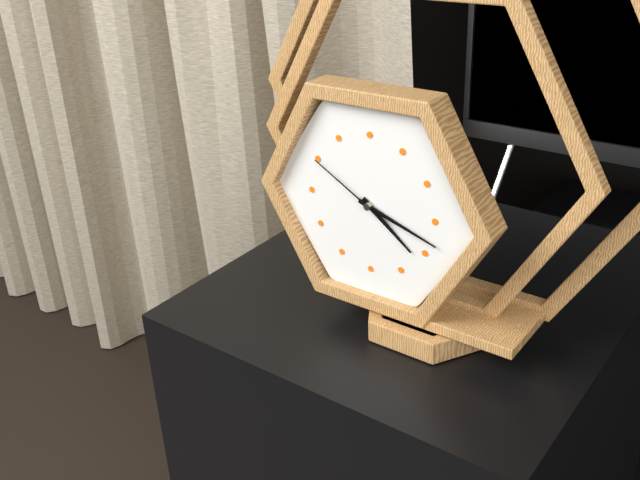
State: 4h18m50s
